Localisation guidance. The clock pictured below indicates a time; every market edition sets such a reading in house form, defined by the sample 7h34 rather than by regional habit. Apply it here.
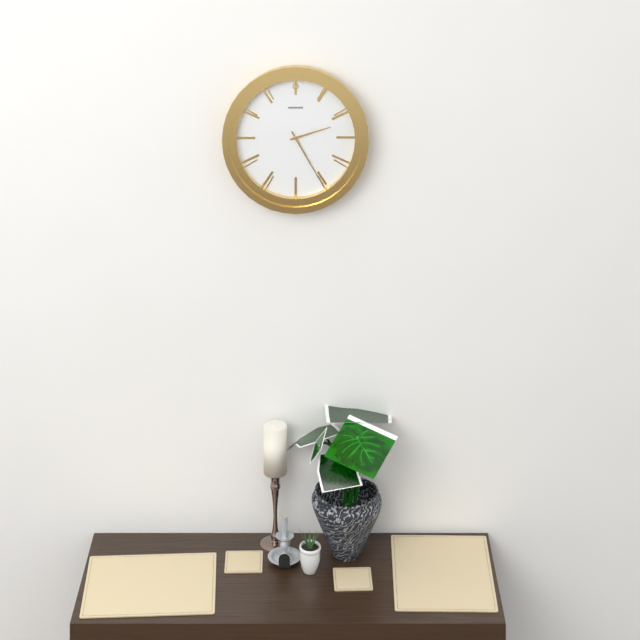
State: 2h25
